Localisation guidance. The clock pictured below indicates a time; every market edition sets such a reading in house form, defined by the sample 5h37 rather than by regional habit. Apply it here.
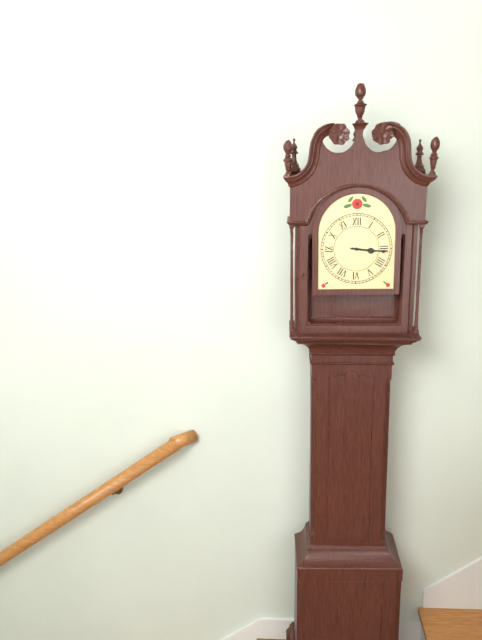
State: 3h16
